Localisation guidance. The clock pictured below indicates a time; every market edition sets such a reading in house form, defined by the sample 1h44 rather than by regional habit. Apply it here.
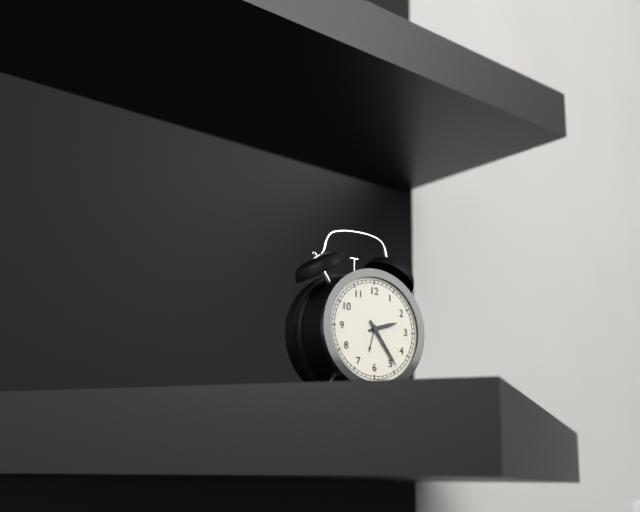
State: 2h24
